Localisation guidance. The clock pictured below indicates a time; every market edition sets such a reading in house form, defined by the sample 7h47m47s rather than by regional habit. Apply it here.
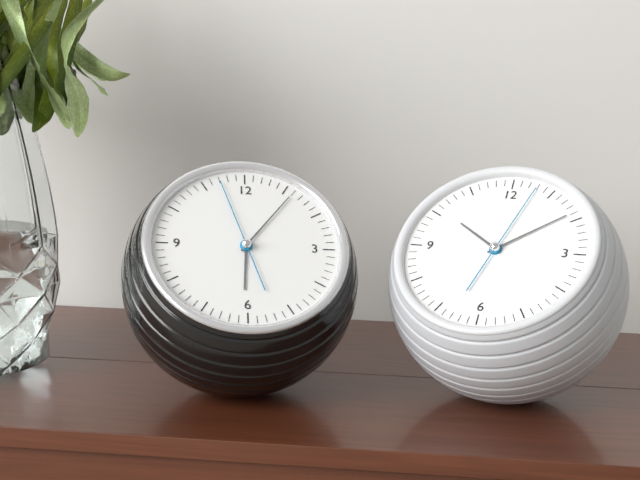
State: 6h06m57s
